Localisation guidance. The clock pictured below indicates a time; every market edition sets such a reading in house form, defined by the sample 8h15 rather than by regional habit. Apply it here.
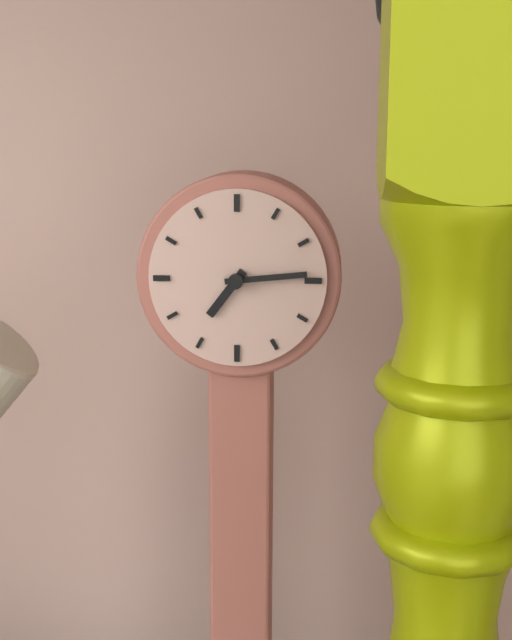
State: 7h14
